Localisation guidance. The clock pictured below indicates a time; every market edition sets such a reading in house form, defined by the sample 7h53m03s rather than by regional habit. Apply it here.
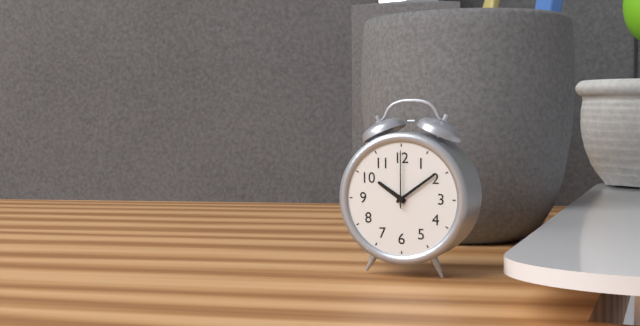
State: 10h09m00s
